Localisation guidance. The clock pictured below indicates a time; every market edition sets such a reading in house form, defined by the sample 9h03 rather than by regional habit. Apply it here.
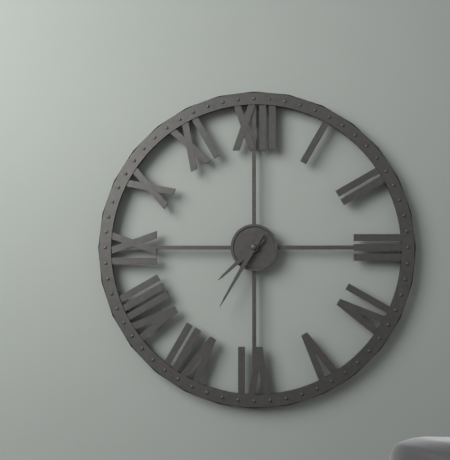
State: 7h35
